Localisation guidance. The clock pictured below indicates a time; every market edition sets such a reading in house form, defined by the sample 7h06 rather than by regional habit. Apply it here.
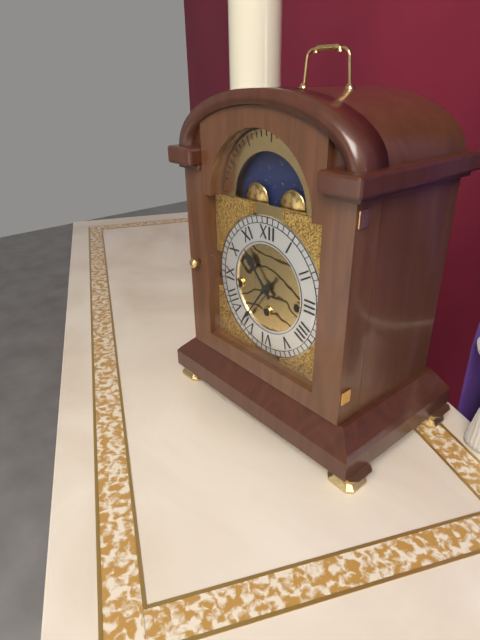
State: 10h36
